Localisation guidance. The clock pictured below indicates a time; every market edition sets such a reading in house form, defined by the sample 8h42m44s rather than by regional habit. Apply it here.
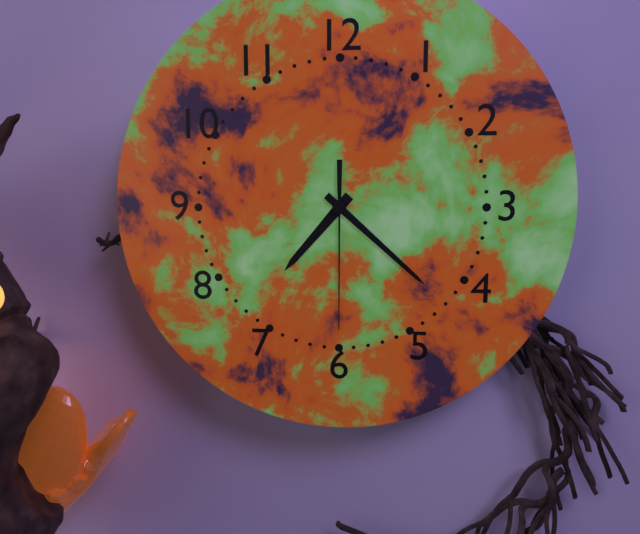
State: 7h22m30s
